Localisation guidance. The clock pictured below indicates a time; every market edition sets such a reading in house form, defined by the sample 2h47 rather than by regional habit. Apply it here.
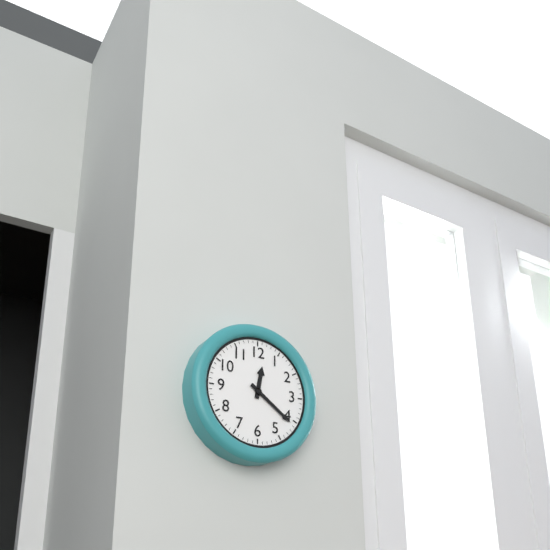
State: 12h21
